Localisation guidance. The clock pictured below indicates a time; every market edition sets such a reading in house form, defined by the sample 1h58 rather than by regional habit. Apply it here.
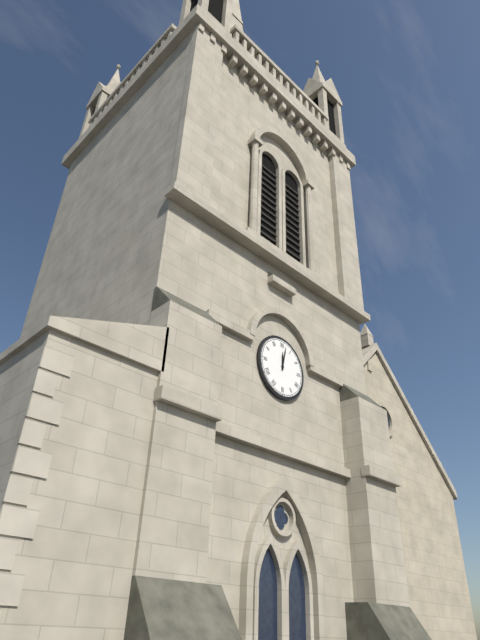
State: 12h02
